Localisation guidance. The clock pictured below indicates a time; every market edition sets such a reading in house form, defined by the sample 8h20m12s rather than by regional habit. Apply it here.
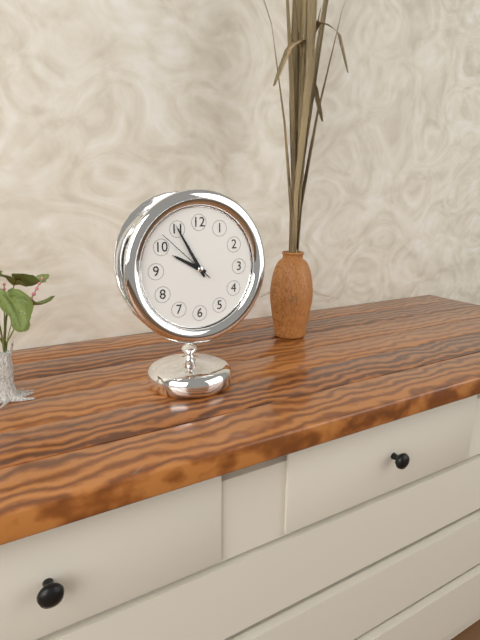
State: 9h55m52s
